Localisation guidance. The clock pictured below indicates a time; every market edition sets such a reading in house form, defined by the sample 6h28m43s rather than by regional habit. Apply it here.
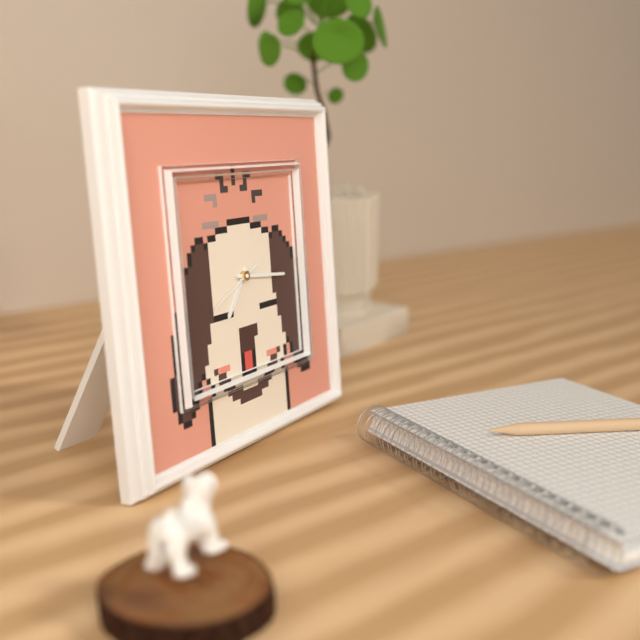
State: 7h16m41s
